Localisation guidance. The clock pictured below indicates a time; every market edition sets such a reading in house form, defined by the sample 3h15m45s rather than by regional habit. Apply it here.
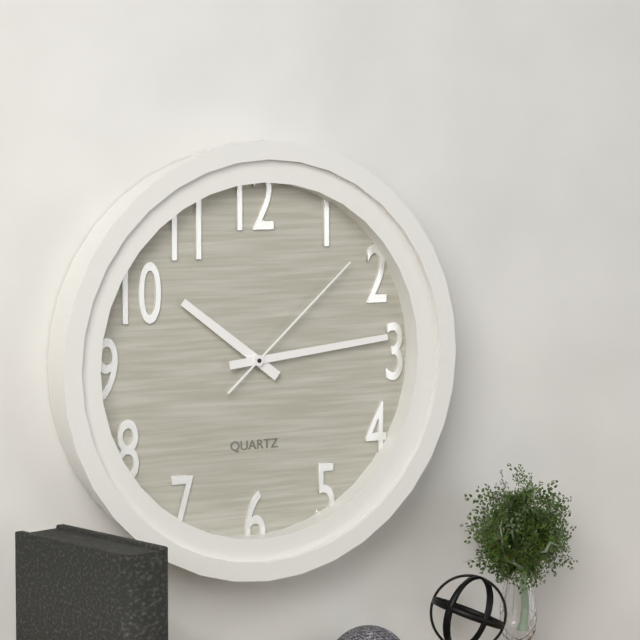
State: 10h14m08s
